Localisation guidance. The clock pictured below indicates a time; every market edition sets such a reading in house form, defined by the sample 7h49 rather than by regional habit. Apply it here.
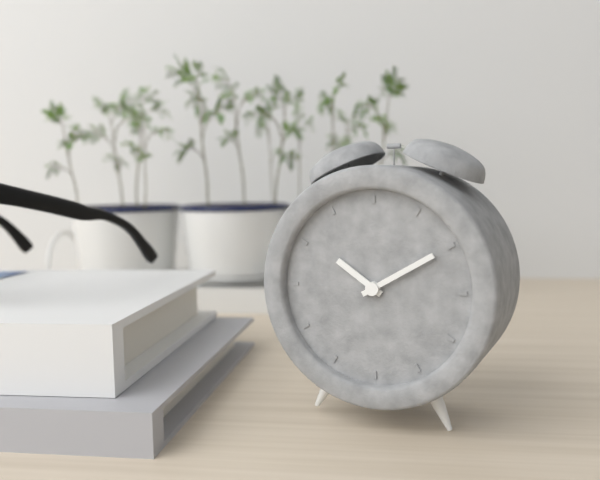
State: 10h10
